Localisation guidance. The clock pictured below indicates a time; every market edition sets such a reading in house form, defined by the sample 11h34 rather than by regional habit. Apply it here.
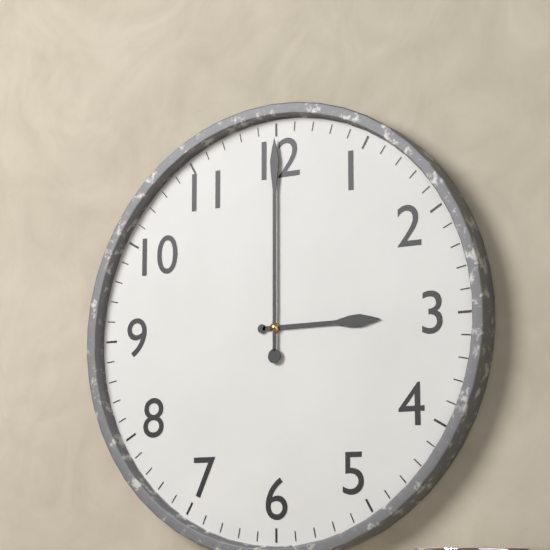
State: 3h00
